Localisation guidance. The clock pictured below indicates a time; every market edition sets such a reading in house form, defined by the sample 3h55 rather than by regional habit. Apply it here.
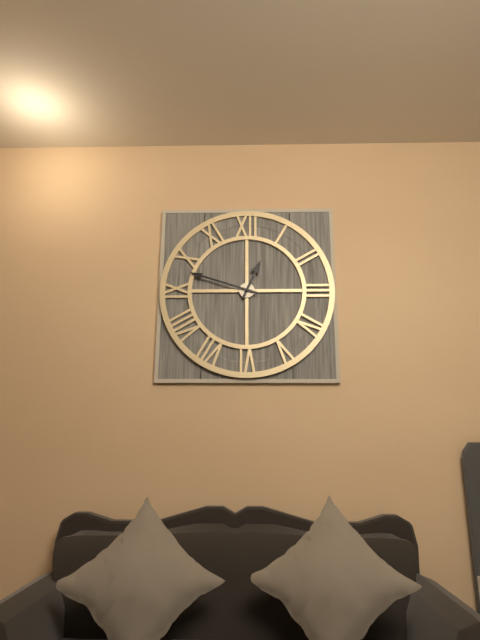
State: 12h48
